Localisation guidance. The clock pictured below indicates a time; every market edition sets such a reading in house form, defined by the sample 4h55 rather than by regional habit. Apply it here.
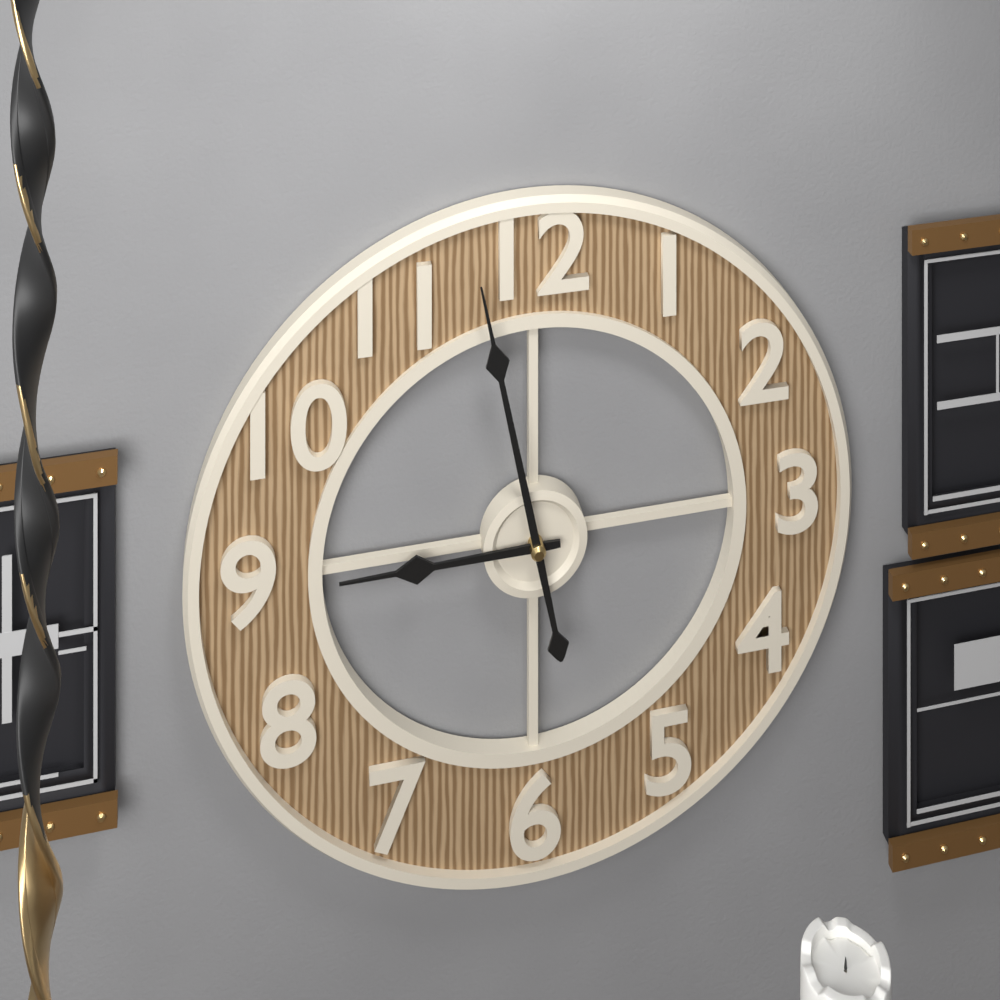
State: 8h58
